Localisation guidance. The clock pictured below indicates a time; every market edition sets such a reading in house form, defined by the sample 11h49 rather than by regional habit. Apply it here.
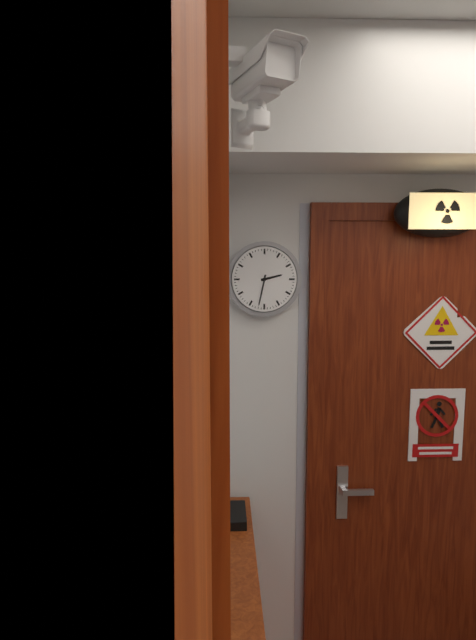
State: 2h32
